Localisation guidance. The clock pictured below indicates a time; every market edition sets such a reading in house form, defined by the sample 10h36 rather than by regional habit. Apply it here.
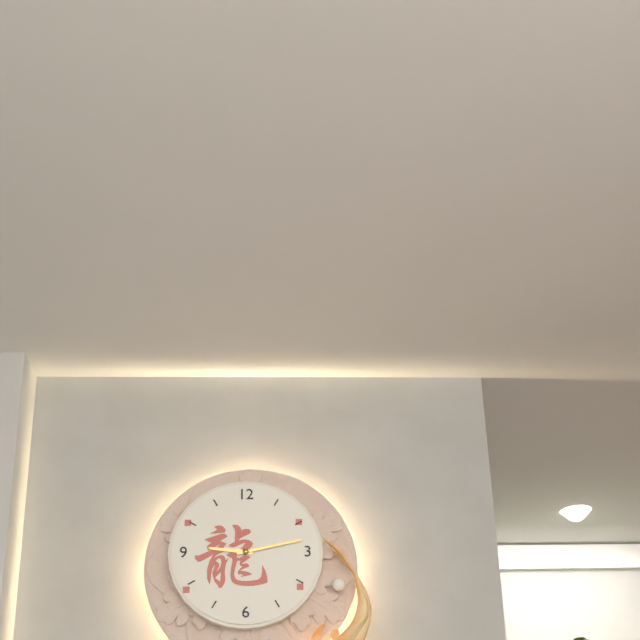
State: 9h13
